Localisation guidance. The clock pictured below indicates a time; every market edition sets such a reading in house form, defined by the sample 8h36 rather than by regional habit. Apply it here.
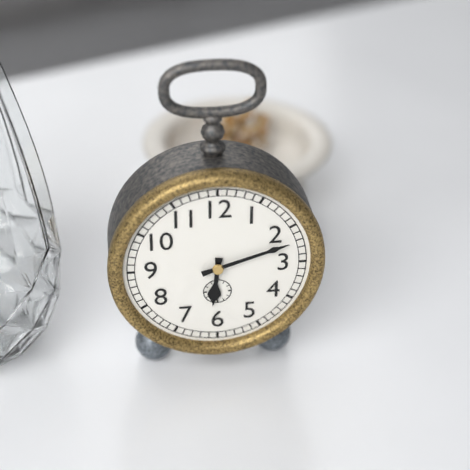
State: 6h12
